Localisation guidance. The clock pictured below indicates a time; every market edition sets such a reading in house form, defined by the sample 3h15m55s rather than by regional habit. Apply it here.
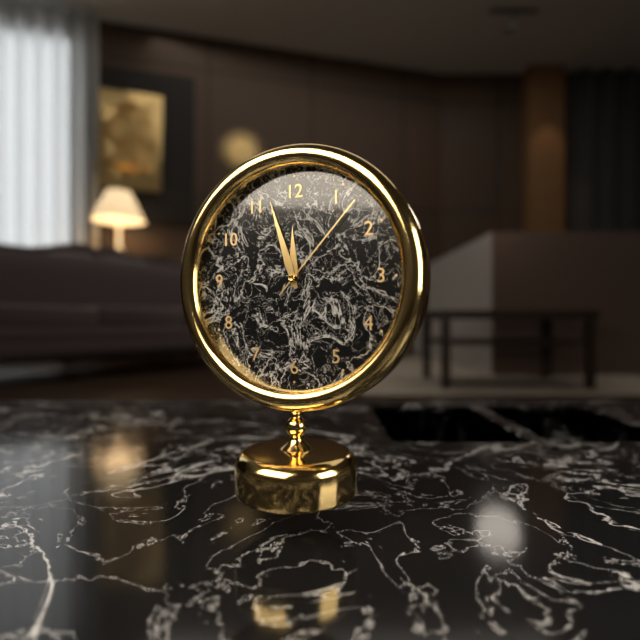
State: 11h57m07s
